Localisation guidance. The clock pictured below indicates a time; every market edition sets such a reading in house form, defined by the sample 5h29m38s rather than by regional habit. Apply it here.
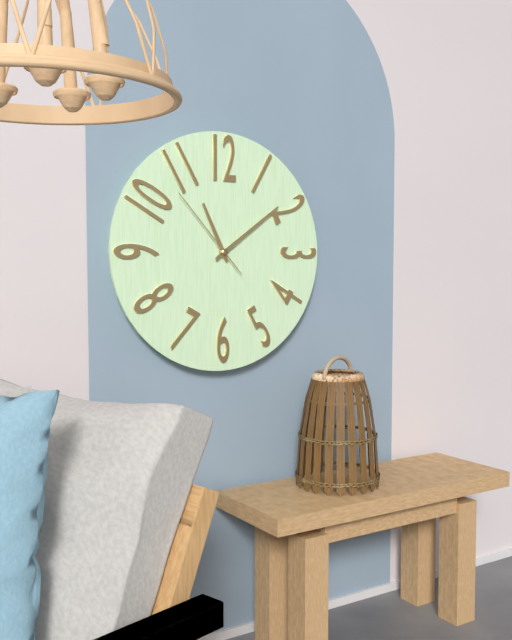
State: 11h09m53s
